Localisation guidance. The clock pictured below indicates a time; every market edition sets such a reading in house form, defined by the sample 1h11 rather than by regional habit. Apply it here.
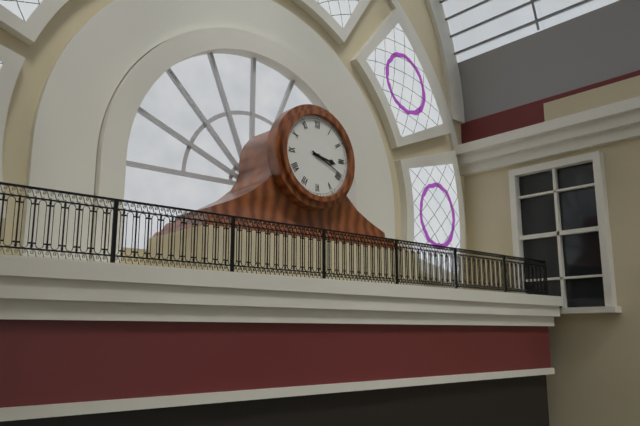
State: 3h19
